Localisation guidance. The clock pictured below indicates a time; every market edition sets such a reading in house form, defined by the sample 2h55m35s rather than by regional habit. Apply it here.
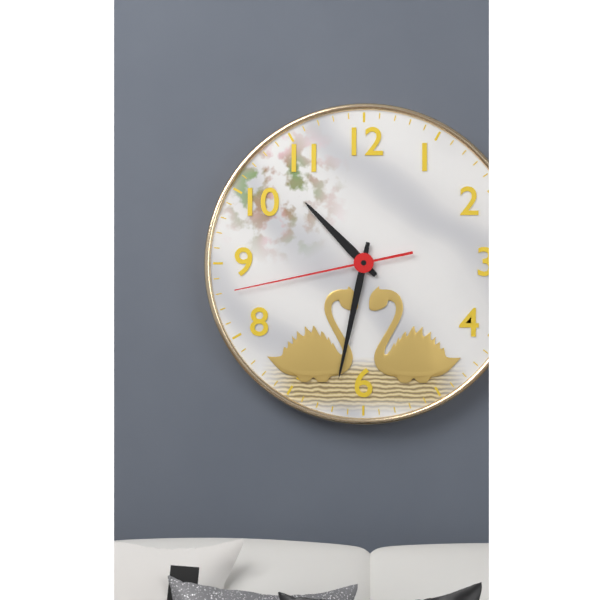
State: 10h32m43s
